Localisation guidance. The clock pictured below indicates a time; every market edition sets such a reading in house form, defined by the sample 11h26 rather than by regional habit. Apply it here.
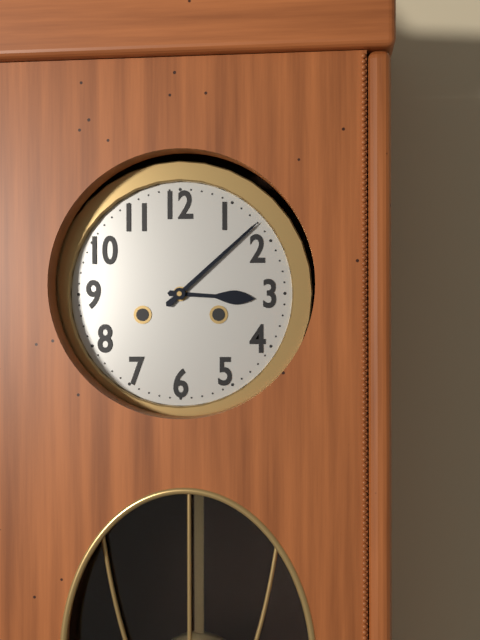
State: 3h08
